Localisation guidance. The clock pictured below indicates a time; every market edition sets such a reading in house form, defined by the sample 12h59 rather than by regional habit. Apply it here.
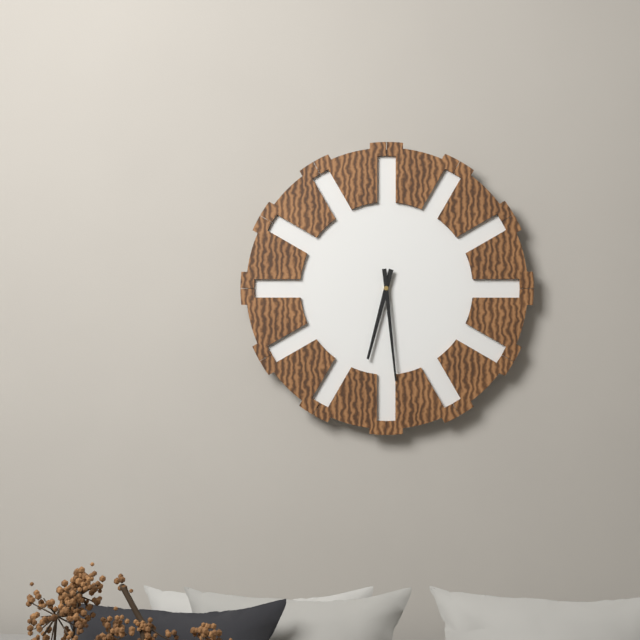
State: 6h29
